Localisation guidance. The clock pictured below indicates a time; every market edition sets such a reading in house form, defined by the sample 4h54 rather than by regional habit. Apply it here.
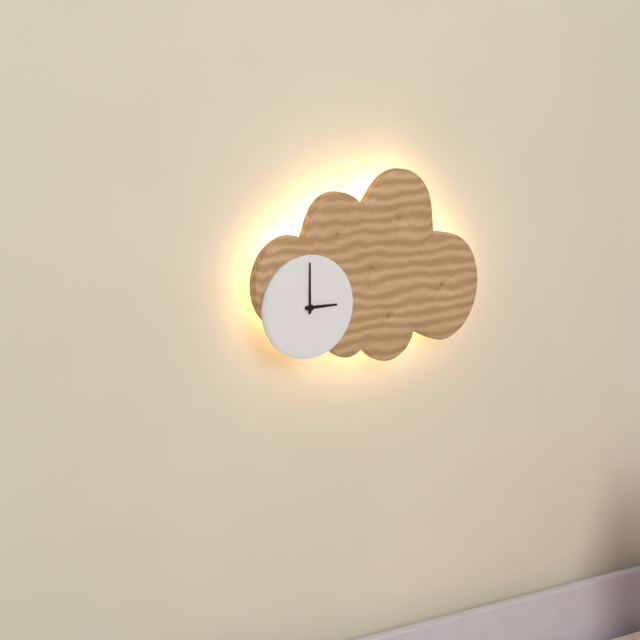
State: 3h00
